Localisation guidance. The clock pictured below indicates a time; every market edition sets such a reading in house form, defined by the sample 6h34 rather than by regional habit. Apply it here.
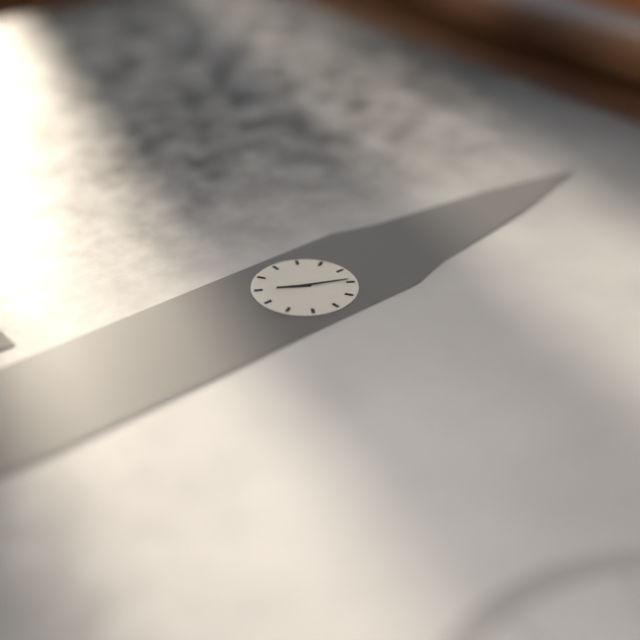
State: 7h04
